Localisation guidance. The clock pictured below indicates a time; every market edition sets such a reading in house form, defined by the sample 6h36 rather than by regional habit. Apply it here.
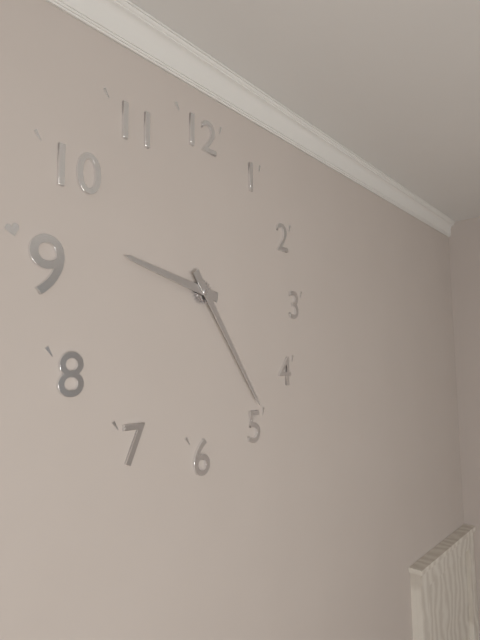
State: 9h24
